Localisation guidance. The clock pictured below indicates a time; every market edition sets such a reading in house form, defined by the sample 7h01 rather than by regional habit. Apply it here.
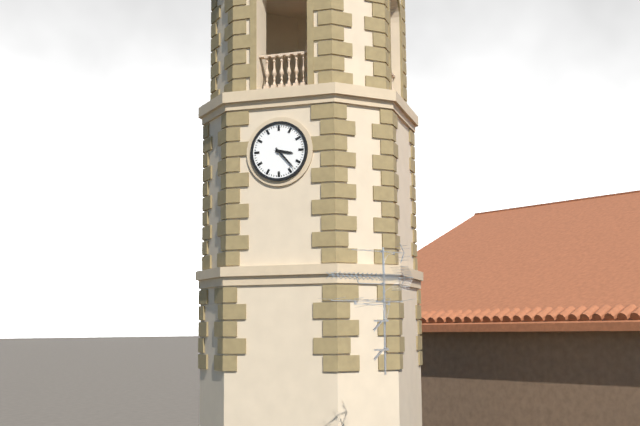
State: 3h23
